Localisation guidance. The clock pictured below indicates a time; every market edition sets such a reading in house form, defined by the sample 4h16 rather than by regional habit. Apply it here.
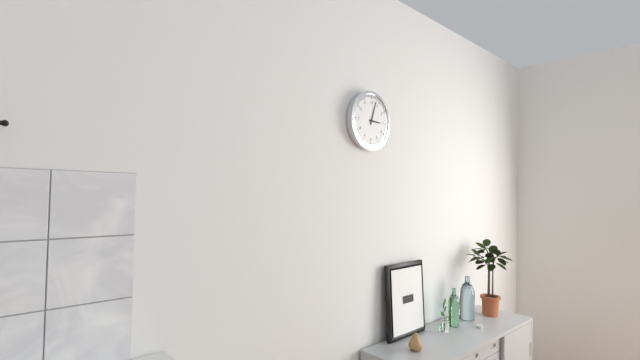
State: 3h03
